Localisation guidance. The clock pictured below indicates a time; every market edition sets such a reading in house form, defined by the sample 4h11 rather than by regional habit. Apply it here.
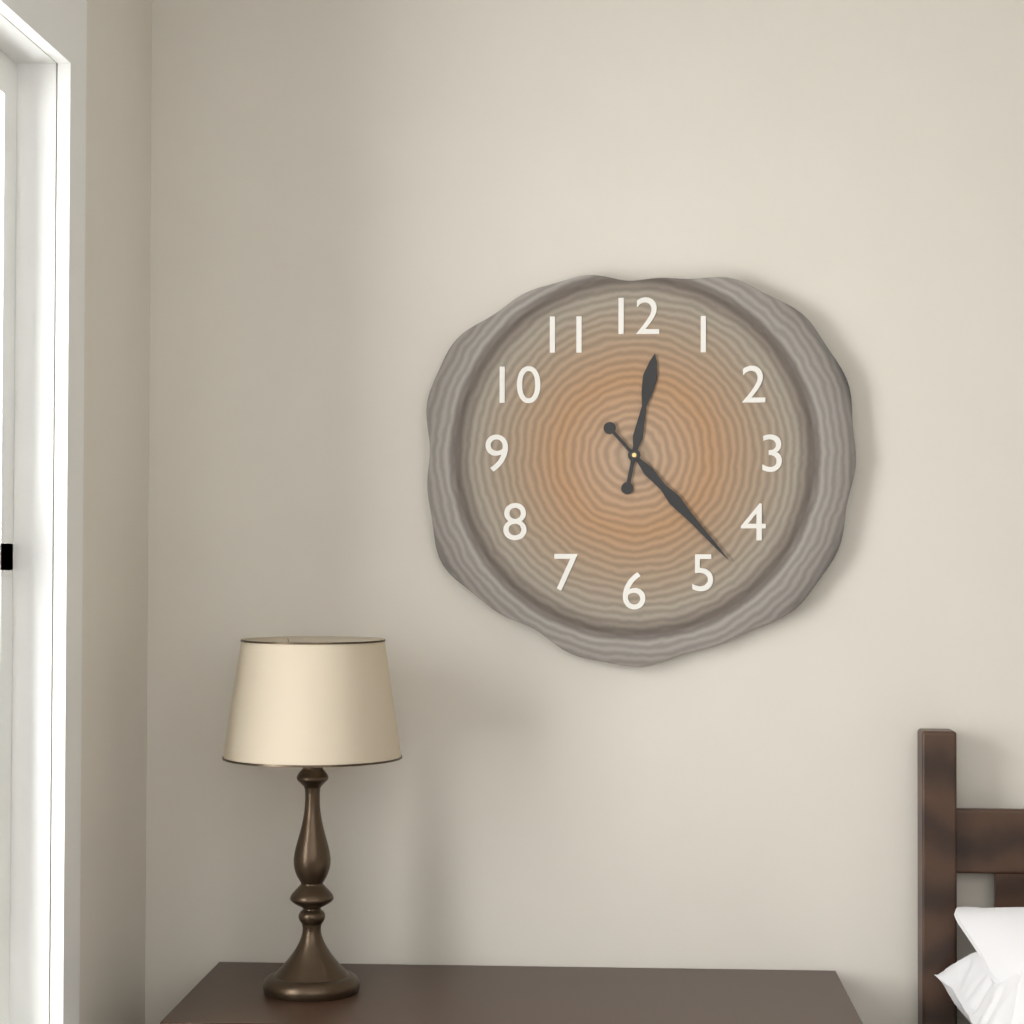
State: 12h23
